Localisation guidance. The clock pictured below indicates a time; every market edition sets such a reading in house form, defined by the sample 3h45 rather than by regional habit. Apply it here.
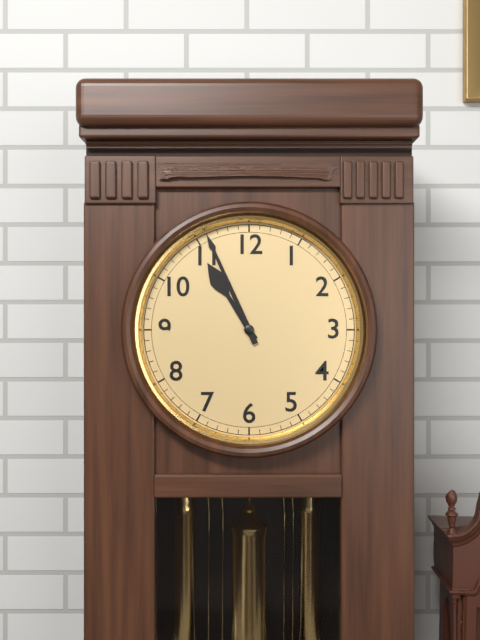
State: 10h56
